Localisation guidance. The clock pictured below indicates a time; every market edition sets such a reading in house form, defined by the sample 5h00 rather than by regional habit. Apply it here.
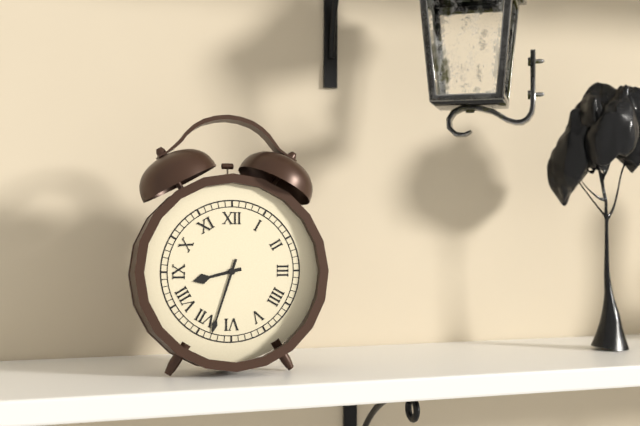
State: 8h33
